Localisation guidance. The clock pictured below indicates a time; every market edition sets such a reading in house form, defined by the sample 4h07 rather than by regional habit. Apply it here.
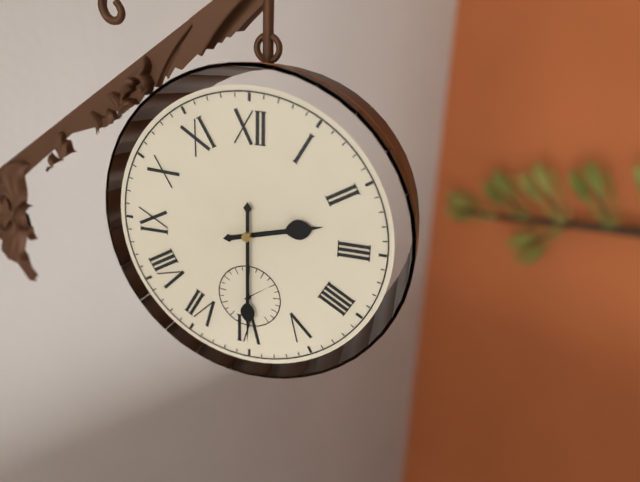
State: 2h30
